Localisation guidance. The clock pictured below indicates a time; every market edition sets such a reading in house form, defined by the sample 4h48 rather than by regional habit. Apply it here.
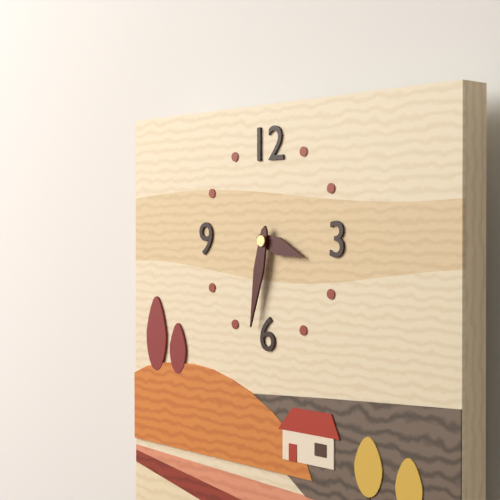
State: 3h32
